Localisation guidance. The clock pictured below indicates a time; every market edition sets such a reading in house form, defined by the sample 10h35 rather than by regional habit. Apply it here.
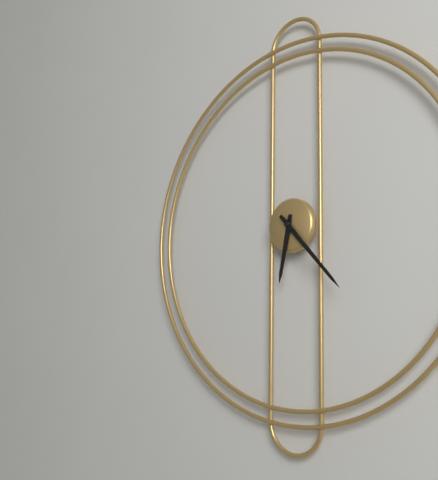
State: 6h23
